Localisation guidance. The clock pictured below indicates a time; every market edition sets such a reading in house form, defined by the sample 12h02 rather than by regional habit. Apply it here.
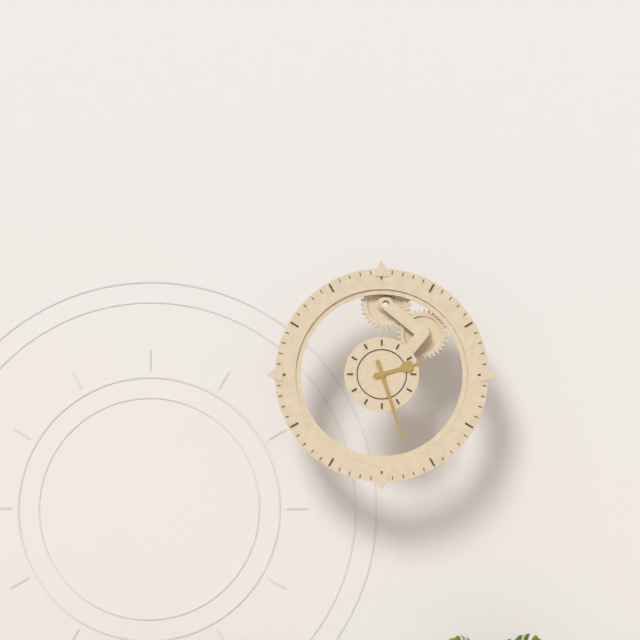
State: 2h27
